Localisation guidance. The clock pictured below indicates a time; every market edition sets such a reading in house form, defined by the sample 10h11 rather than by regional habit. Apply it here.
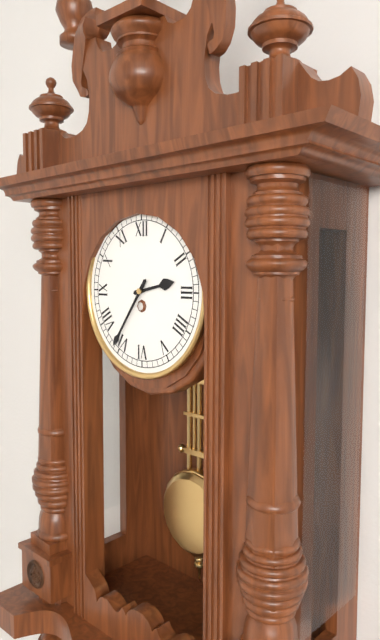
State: 2h36
